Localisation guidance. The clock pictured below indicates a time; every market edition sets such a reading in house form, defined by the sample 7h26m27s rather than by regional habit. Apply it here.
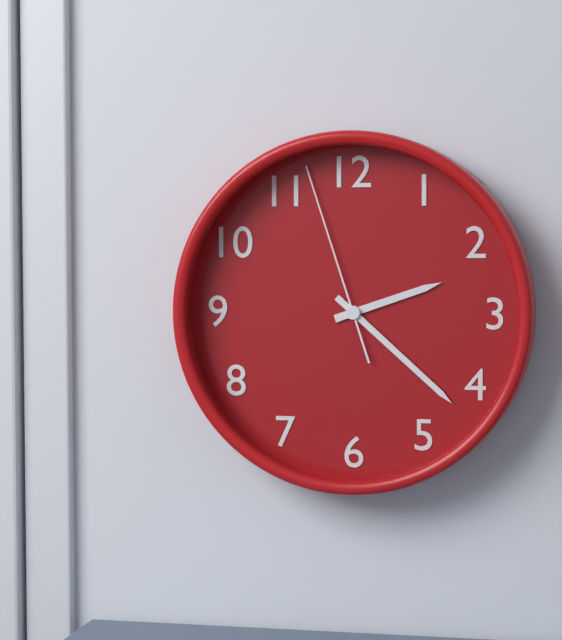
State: 2h22m57s
